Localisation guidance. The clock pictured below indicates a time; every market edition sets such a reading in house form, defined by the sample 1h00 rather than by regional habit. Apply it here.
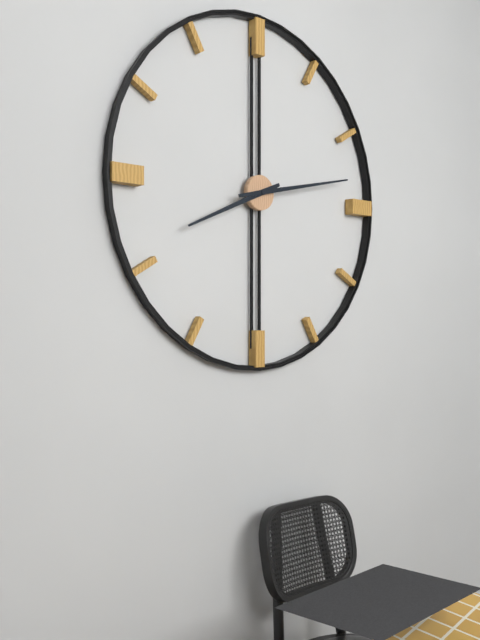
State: 8h13
